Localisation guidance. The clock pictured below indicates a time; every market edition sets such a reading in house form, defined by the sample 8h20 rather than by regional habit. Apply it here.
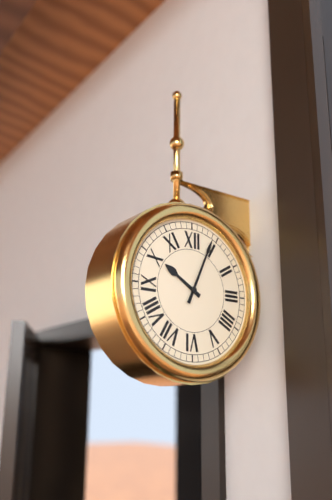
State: 10h04
